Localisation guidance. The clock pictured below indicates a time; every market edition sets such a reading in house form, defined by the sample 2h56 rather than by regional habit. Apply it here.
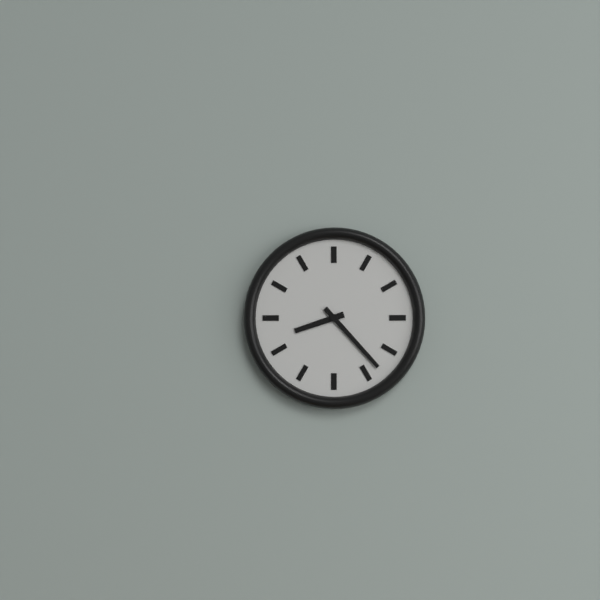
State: 8h23
